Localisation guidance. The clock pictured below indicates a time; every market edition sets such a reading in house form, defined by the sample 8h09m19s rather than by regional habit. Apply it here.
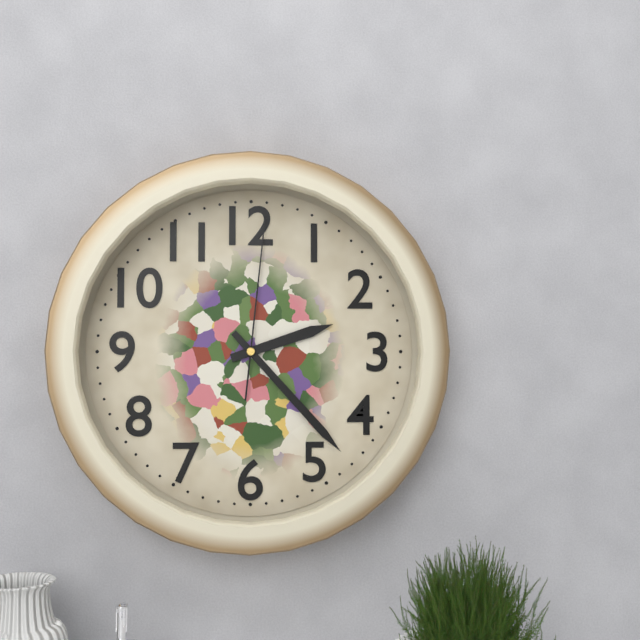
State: 2h23m01s
